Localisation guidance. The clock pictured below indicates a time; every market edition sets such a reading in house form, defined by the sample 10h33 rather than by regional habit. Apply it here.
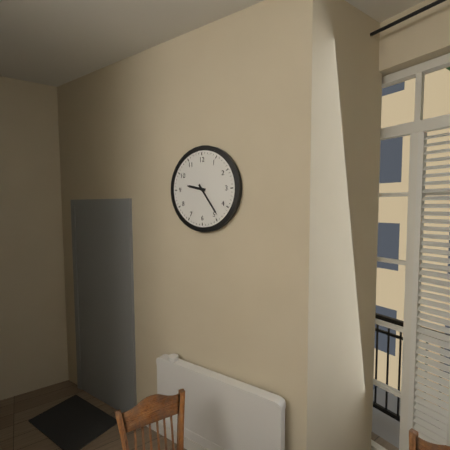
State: 9h24
